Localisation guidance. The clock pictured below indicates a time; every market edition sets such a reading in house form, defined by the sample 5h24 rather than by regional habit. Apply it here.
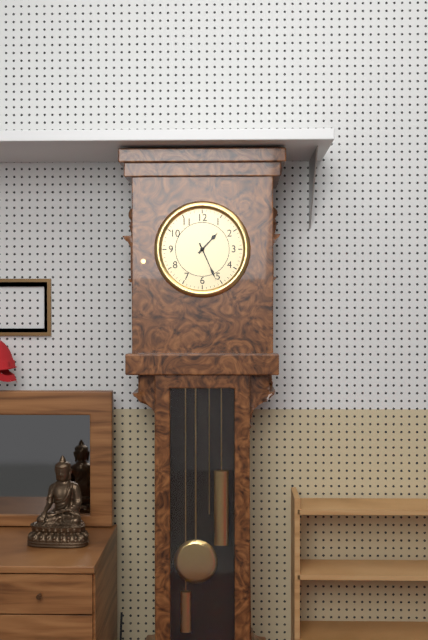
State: 1h26
